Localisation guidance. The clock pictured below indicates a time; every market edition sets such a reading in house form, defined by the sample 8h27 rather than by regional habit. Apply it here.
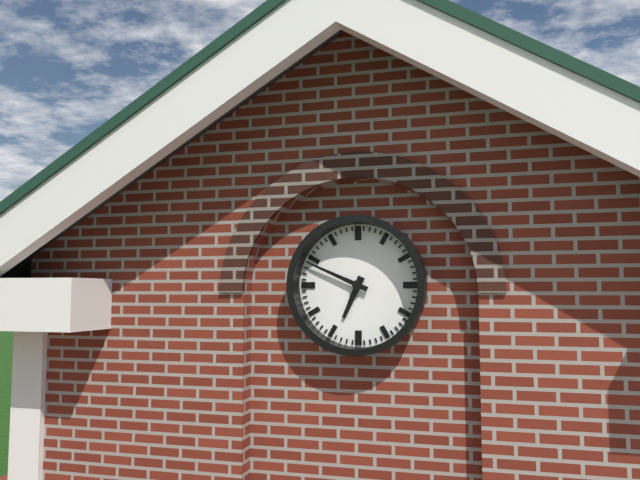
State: 6h49
